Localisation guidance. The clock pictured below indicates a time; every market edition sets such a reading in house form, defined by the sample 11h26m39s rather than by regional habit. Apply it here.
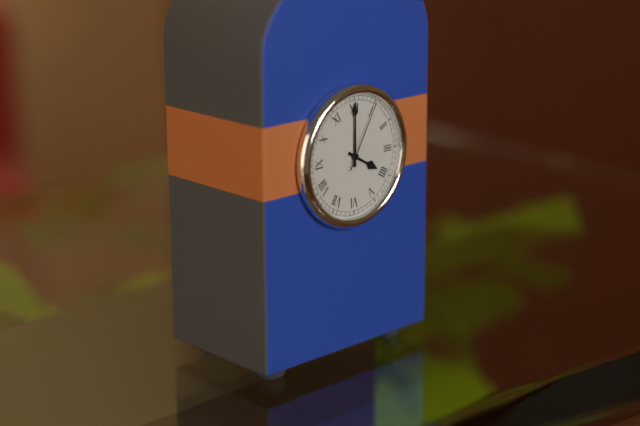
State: 4h00m05s
